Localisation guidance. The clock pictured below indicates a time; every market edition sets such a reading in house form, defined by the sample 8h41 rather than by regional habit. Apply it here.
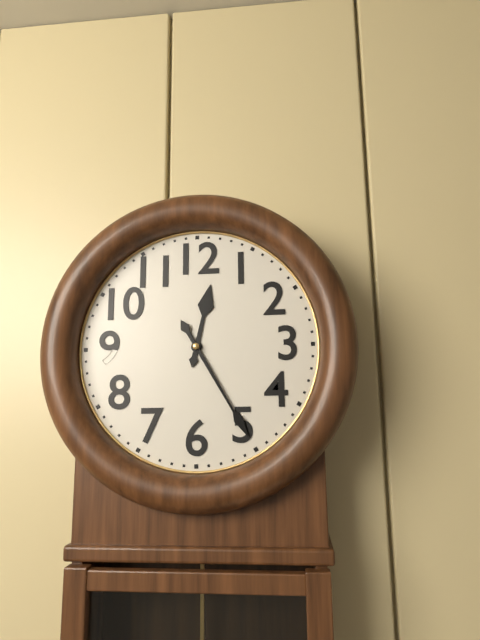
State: 12h25
